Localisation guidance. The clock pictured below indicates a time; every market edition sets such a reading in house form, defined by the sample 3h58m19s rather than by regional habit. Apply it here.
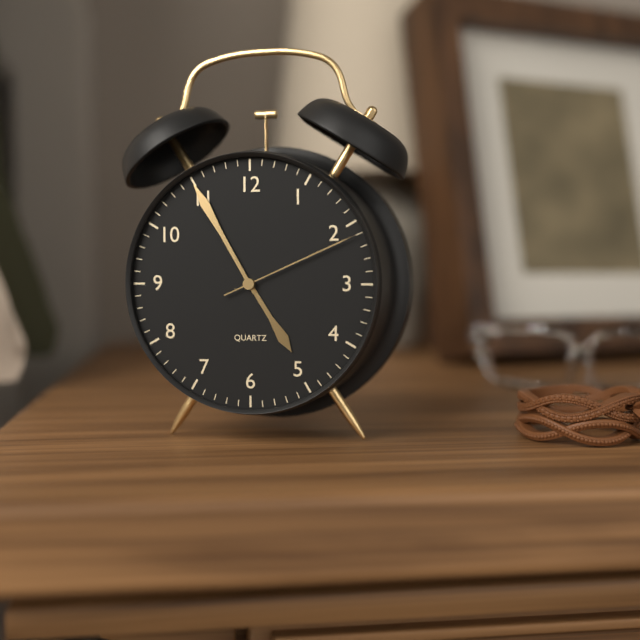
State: 4h55m11s
